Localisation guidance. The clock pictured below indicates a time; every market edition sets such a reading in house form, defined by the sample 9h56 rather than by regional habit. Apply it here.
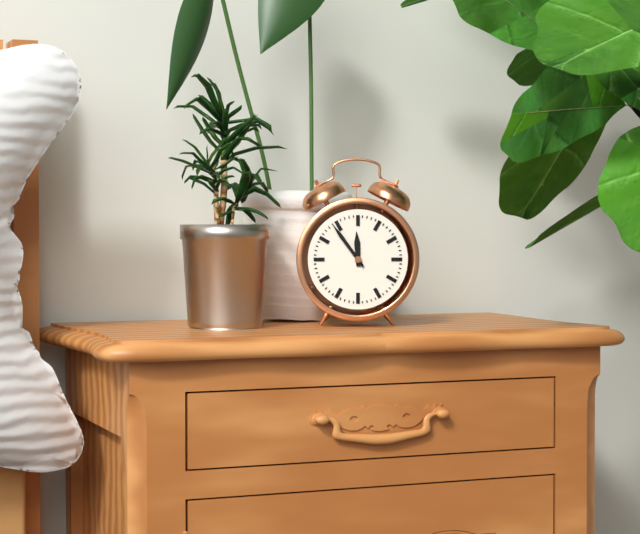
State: 11h54
